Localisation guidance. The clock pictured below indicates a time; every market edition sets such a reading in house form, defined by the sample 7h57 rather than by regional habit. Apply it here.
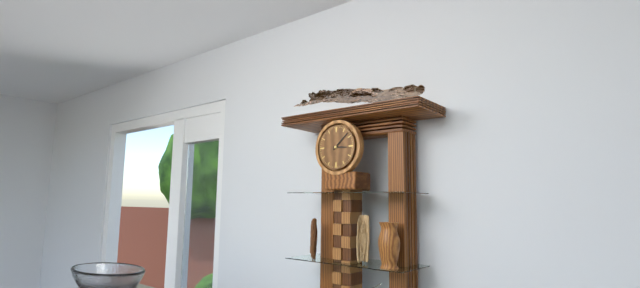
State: 3h08
